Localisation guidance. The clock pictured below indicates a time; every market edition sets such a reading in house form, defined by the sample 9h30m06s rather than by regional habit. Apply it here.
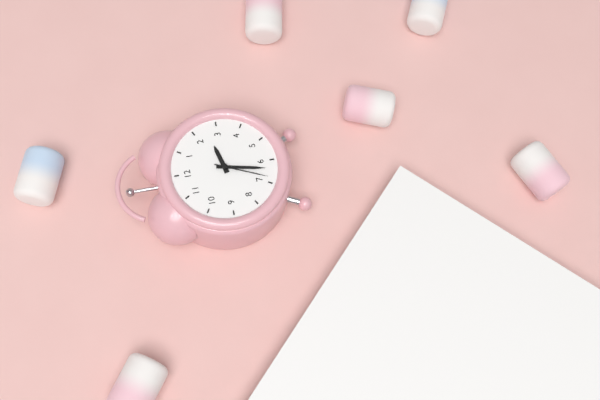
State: 2h32m34s
